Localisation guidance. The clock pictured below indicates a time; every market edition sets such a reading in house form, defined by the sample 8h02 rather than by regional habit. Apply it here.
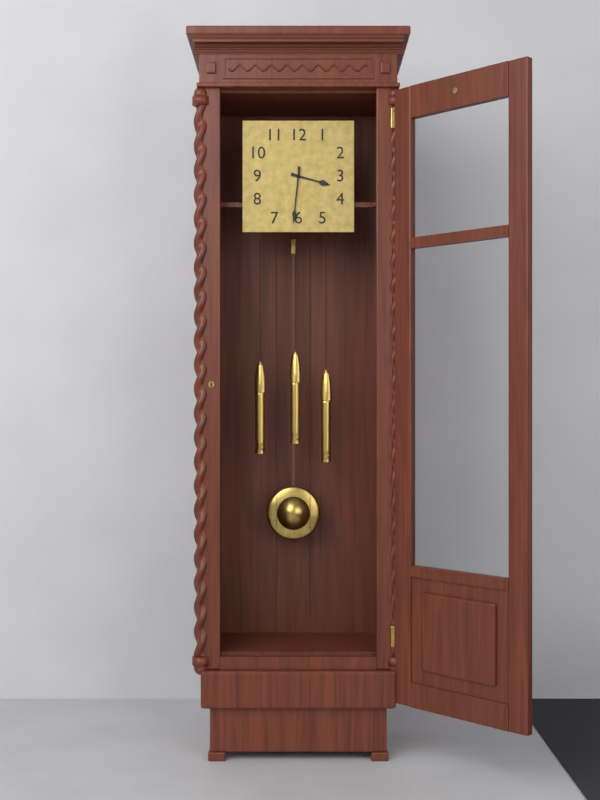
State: 3h31
